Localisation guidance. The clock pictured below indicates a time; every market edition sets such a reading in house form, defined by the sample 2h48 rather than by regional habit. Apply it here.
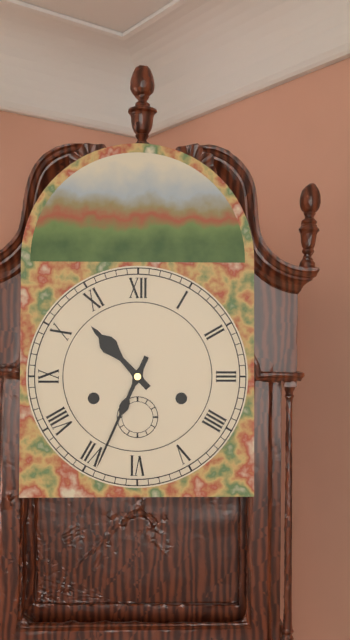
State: 10h34
